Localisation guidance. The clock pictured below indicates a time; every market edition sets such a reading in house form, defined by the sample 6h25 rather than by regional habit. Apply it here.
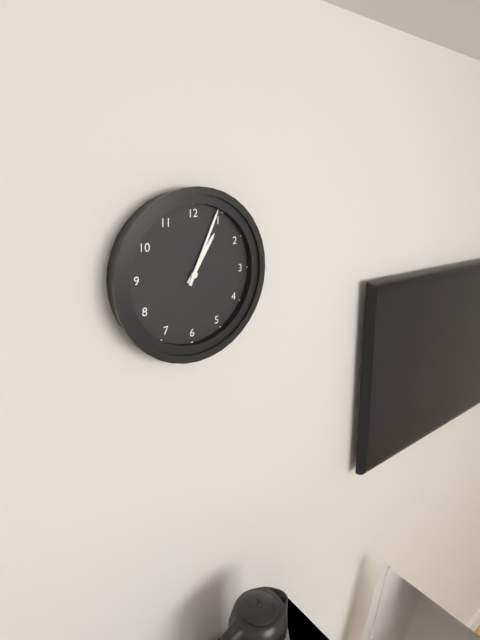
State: 1h04
